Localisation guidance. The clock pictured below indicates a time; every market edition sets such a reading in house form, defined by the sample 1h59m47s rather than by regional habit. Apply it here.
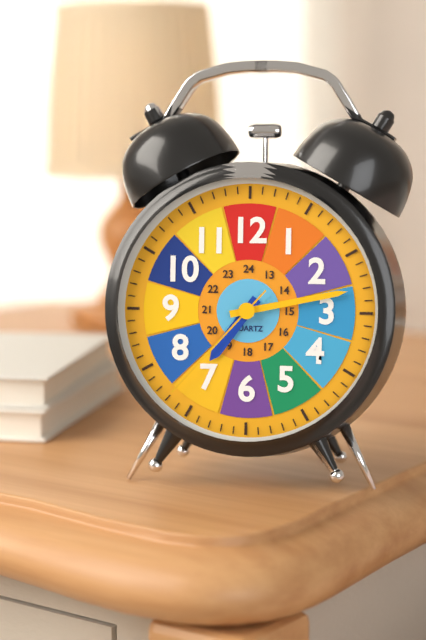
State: 7h13m37s
